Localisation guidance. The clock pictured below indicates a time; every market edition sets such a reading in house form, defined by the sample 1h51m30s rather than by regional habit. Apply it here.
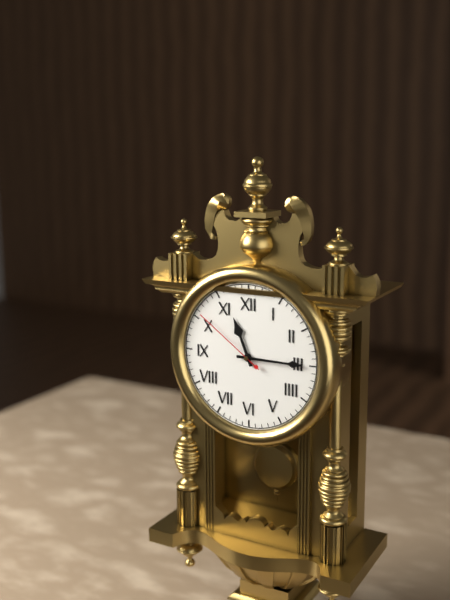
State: 11h15m51s
